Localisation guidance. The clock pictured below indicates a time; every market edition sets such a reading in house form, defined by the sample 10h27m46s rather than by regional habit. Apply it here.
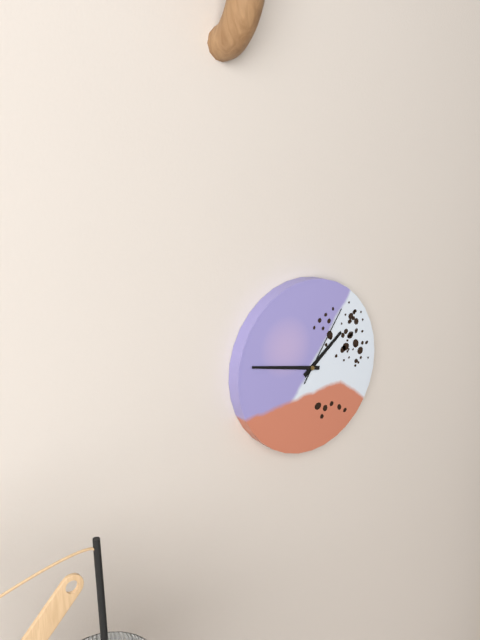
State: 1h47m06s
